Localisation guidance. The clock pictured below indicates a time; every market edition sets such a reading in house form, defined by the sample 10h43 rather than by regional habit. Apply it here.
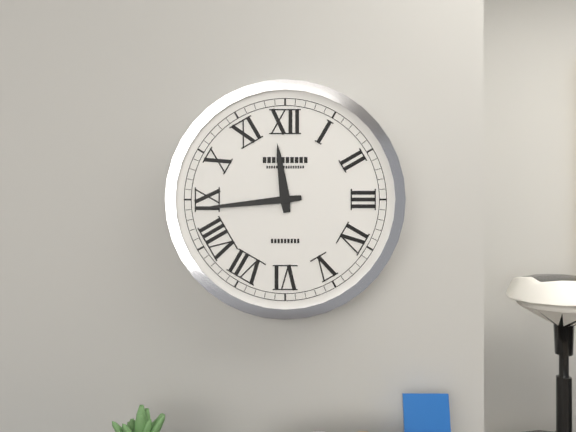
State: 11h44
